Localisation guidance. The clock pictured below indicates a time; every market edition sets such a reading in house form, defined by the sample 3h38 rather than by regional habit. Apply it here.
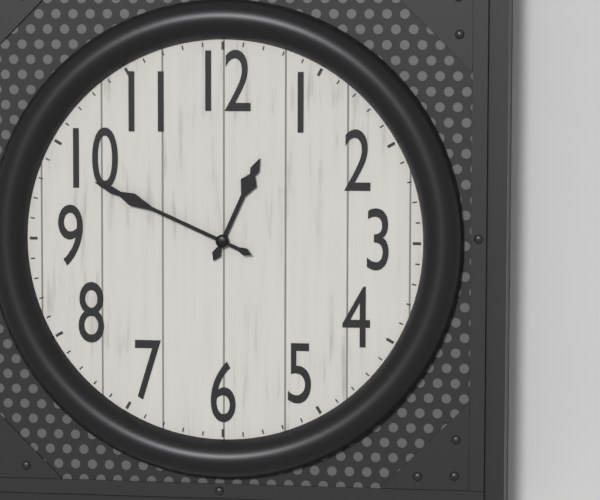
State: 12h49
